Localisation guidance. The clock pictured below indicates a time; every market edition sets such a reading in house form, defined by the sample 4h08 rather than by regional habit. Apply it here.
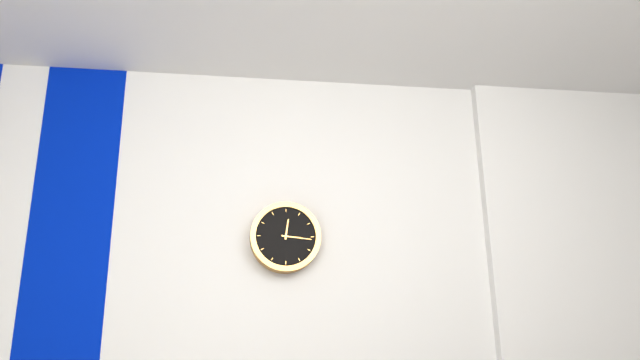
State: 12h16
